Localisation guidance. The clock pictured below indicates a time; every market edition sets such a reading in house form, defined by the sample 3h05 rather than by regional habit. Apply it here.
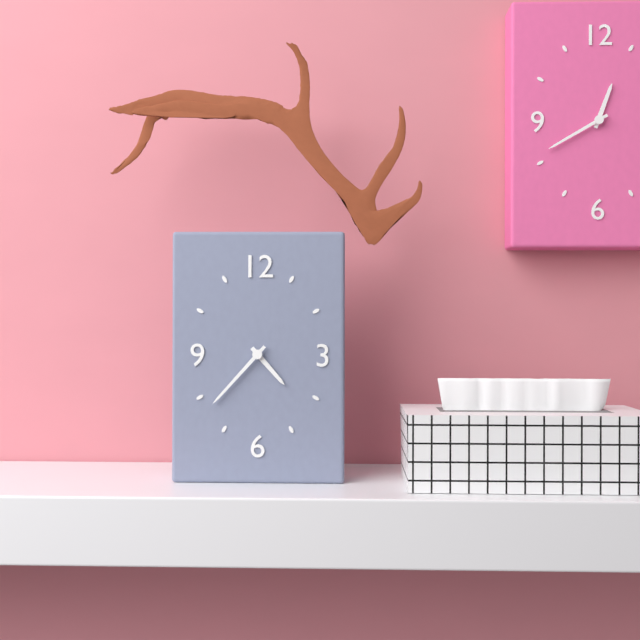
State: 4h37
